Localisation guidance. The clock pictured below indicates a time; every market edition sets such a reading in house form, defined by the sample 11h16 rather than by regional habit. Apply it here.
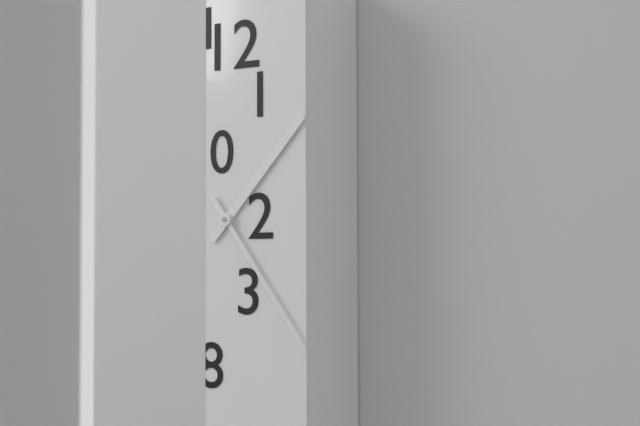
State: 1h24
